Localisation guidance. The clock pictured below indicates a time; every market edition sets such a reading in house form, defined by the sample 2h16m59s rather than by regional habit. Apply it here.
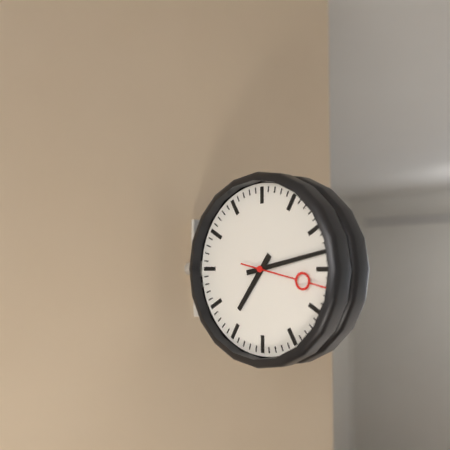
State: 7h13m17s
